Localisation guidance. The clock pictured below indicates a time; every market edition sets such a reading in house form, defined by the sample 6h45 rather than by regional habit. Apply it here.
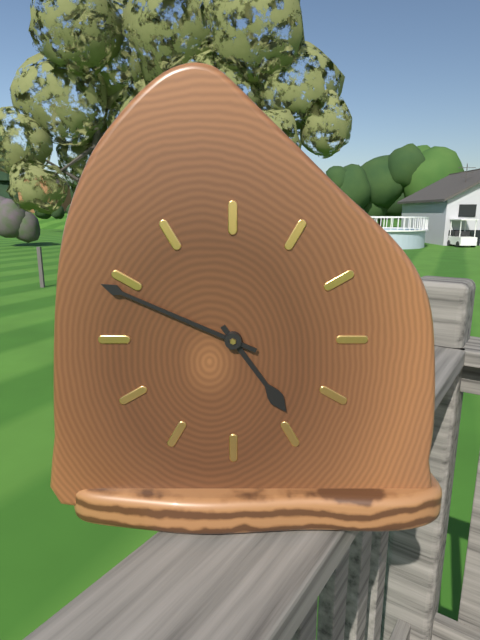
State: 4h49
